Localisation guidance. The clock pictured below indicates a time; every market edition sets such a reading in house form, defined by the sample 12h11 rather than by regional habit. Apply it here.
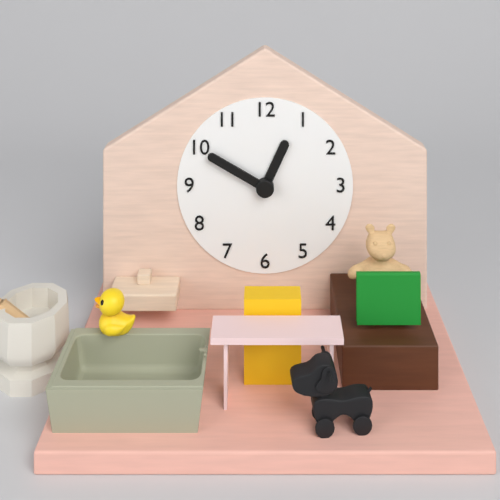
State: 12h50
